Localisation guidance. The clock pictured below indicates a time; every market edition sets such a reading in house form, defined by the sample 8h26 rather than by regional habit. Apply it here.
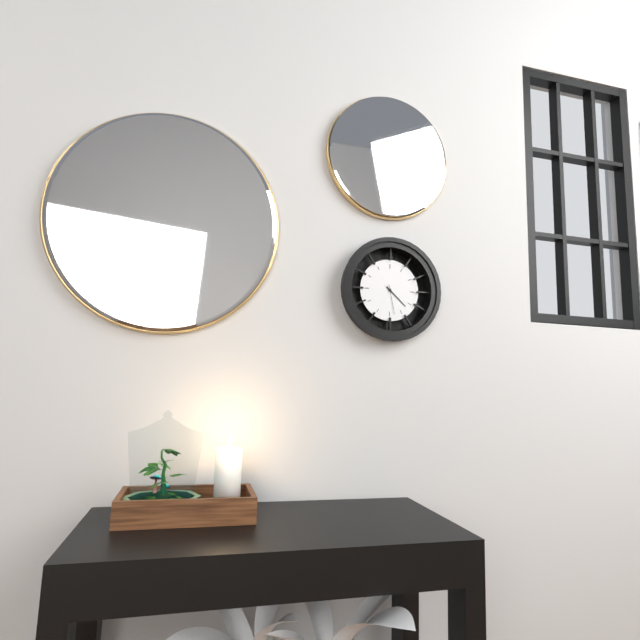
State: 4h22
